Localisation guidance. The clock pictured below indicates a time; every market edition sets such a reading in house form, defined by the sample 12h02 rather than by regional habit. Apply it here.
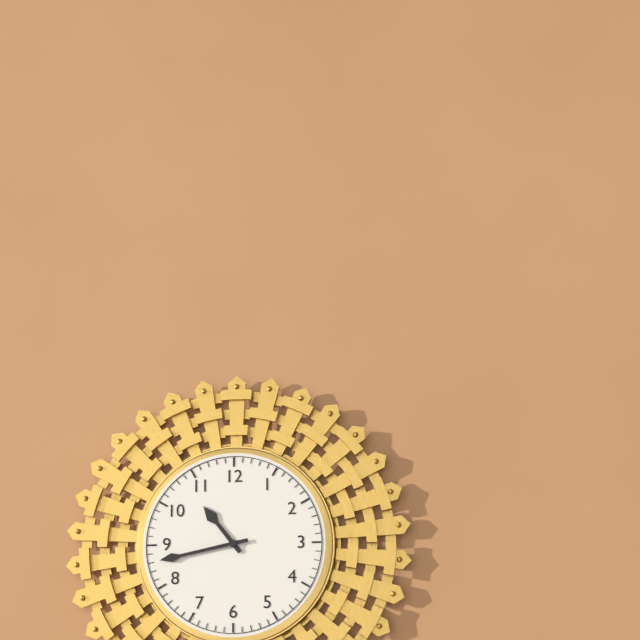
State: 10h43
